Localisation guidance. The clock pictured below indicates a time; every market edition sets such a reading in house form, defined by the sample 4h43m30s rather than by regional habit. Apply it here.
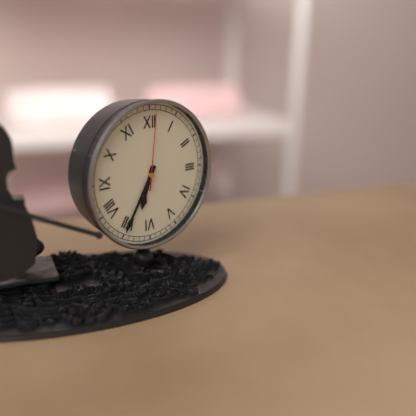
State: 6h35m01s
